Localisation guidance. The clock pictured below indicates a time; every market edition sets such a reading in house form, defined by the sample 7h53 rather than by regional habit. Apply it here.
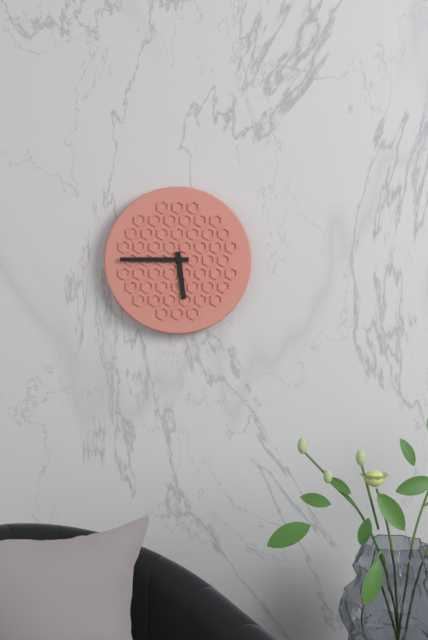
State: 5h45
